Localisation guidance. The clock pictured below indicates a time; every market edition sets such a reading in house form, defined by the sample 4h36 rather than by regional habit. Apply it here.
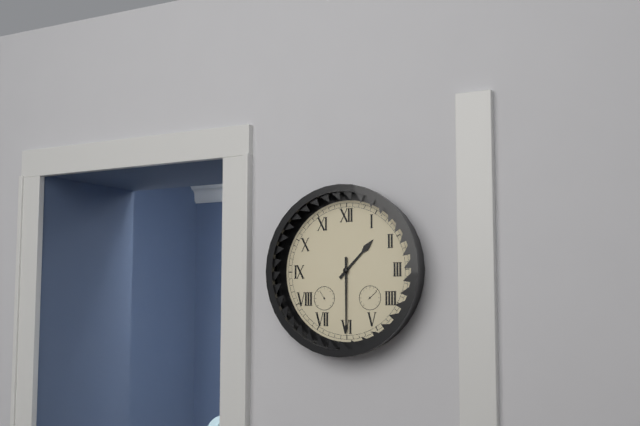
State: 1h30
